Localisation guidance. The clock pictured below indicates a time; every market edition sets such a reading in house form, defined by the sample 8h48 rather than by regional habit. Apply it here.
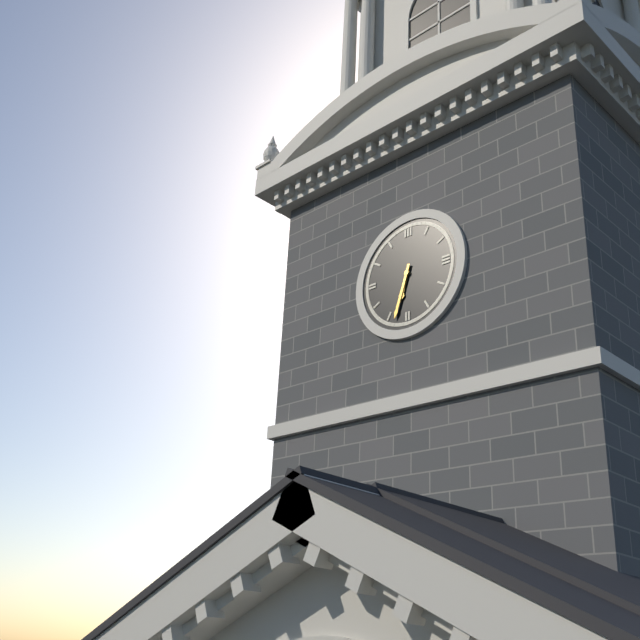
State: 6h33
